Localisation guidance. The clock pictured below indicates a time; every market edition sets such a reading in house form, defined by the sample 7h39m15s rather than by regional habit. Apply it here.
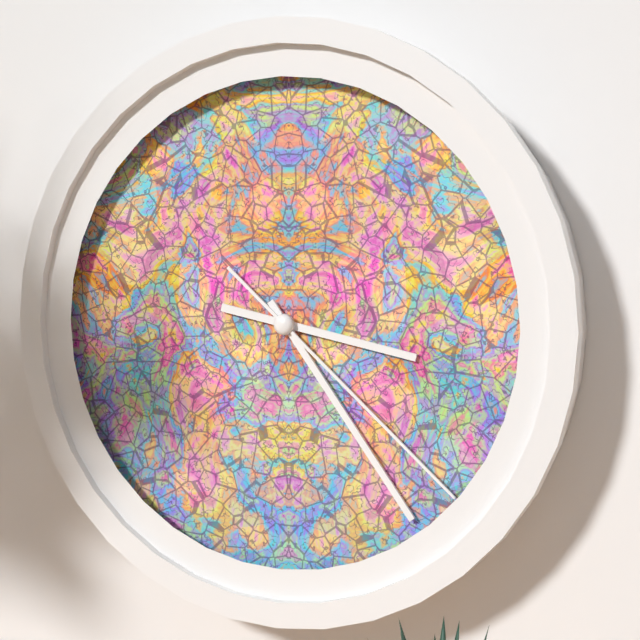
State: 3h24m22s
